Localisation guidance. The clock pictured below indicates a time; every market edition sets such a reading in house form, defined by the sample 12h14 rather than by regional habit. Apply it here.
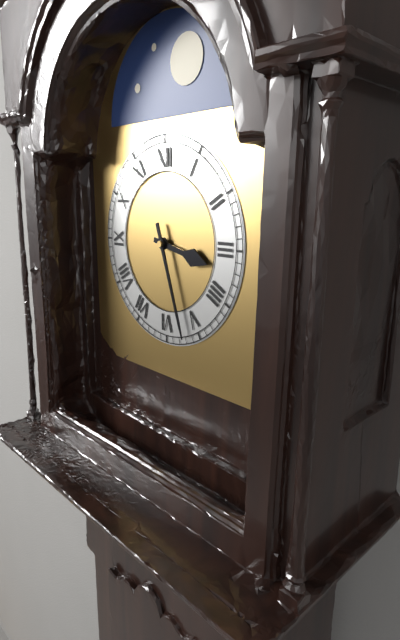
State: 3h27
